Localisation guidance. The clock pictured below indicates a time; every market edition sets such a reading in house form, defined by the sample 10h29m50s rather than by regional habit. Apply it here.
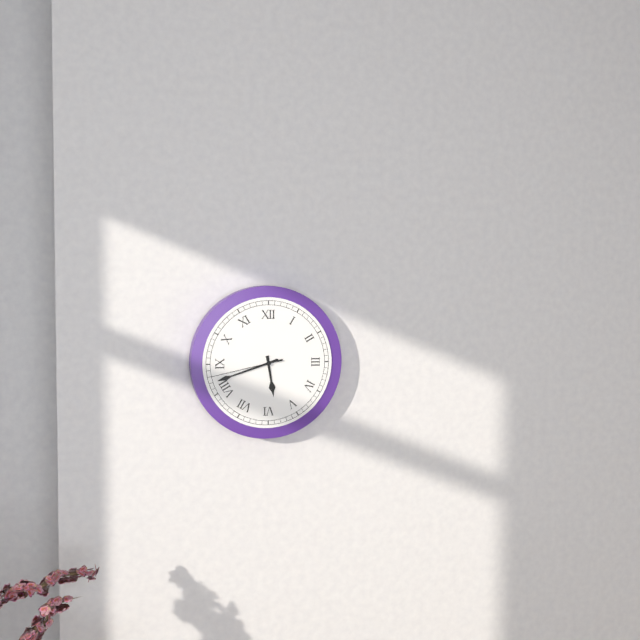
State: 5h42m43s
